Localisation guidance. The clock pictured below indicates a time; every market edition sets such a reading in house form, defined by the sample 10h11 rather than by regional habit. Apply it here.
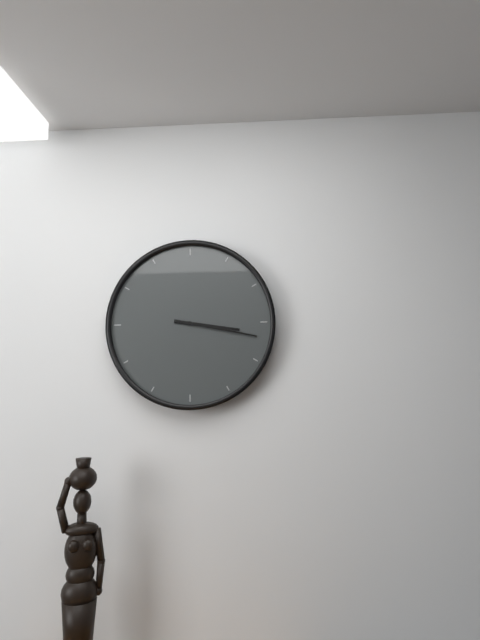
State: 3h17
